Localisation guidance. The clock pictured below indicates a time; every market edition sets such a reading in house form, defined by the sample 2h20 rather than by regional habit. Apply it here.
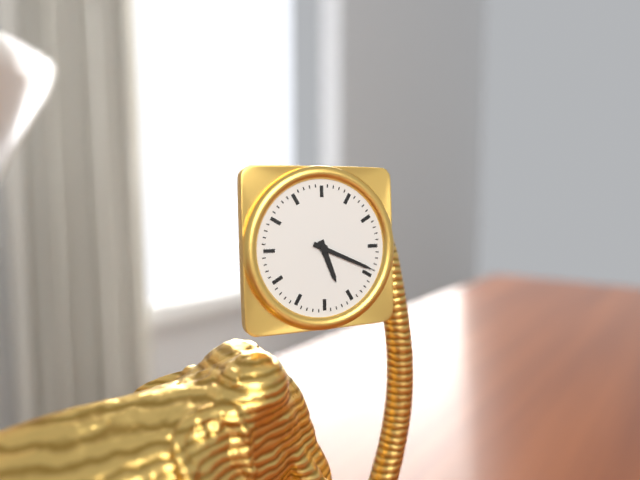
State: 5h19
